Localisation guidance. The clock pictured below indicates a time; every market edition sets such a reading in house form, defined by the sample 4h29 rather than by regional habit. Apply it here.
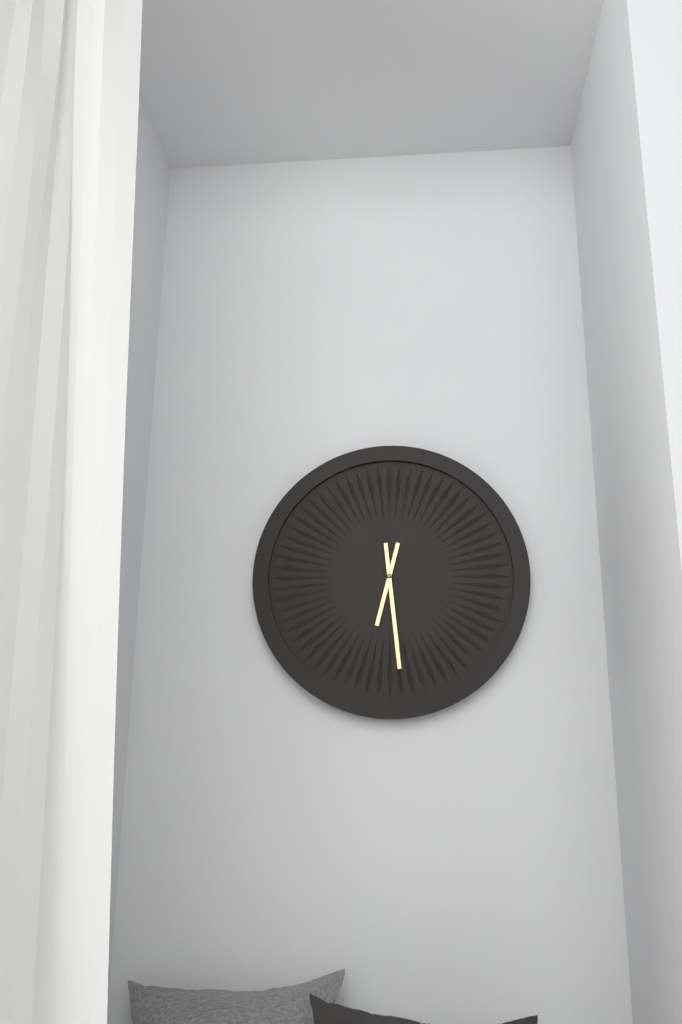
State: 6h29
